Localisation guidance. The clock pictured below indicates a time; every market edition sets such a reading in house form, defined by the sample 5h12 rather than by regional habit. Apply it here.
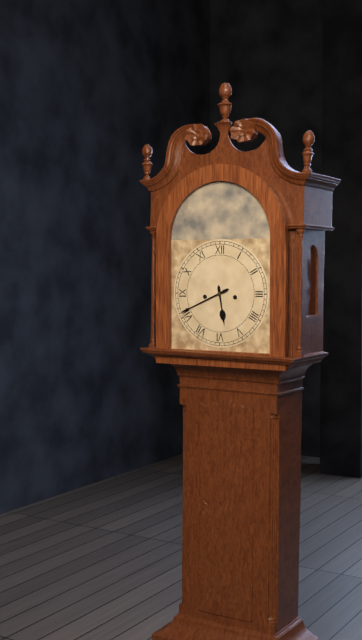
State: 5h41
